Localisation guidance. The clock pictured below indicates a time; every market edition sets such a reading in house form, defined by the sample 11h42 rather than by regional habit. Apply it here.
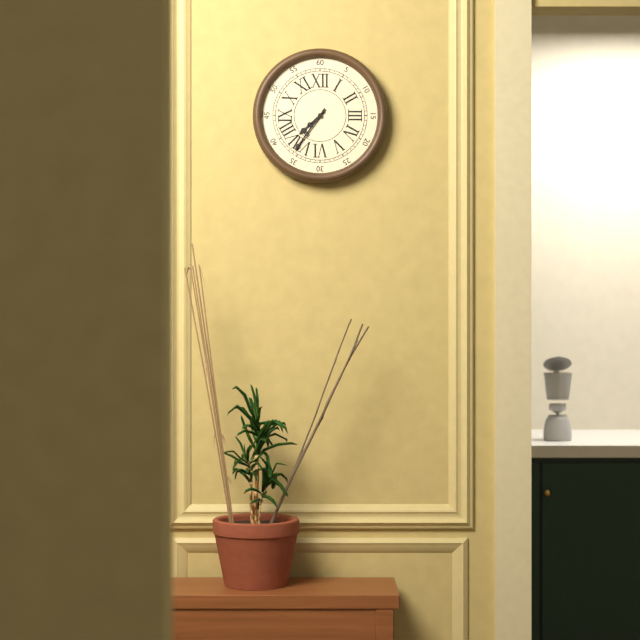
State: 7h36
